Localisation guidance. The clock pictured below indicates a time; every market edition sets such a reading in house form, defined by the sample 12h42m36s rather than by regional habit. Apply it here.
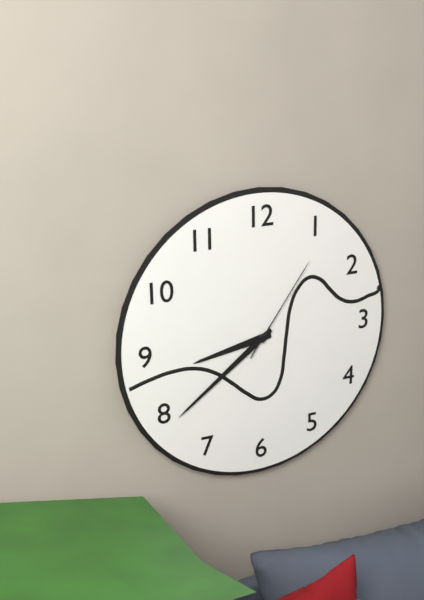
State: 8h39m06s
